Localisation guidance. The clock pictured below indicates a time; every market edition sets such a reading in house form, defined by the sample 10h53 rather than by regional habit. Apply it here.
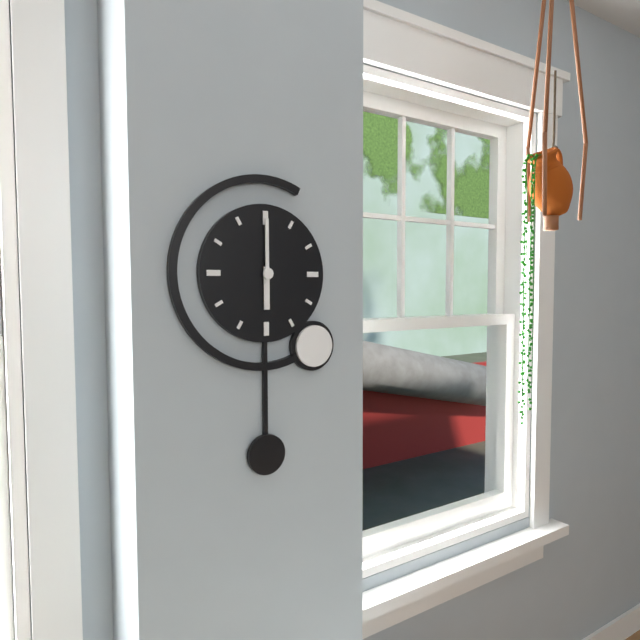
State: 6h00
